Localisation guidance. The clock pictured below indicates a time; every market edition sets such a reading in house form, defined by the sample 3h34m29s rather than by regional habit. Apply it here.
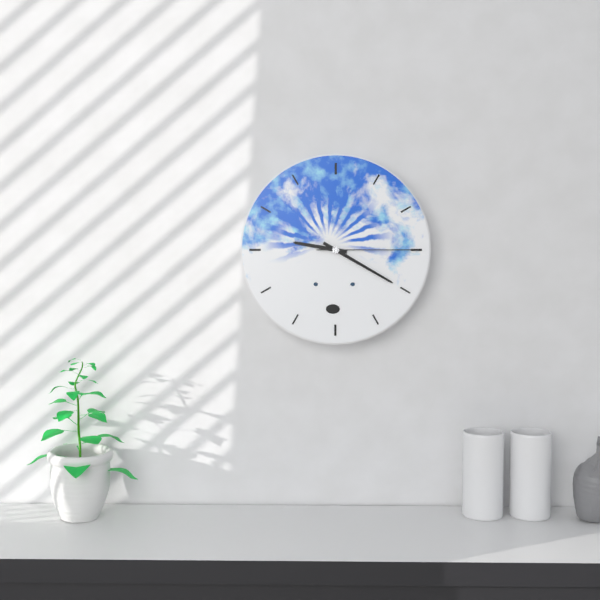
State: 9h20m15s
